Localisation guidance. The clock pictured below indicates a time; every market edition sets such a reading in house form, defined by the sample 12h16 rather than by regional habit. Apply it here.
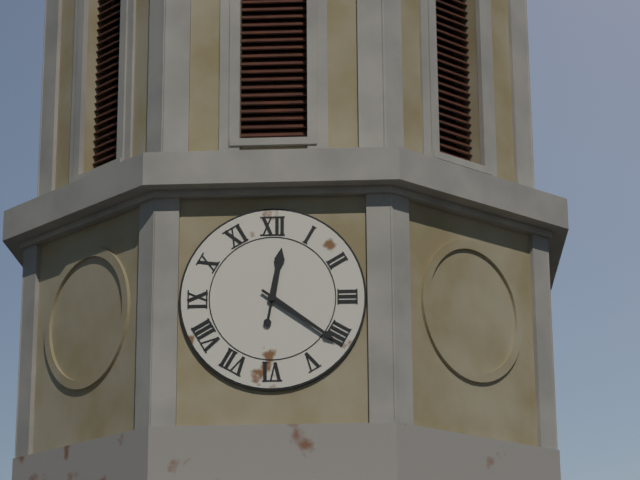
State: 12h21
